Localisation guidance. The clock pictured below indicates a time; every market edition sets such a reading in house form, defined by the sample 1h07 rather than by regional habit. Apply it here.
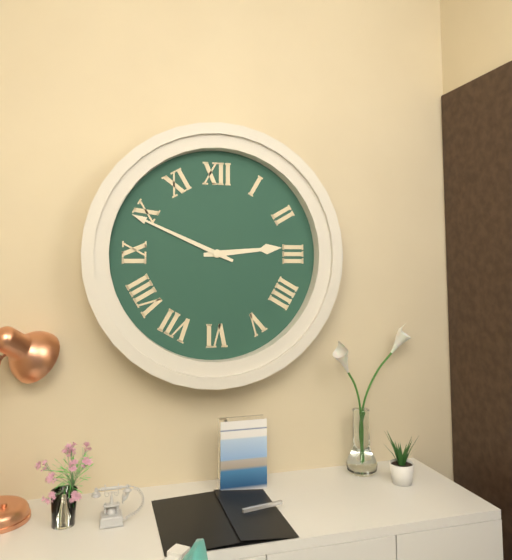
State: 2h49
